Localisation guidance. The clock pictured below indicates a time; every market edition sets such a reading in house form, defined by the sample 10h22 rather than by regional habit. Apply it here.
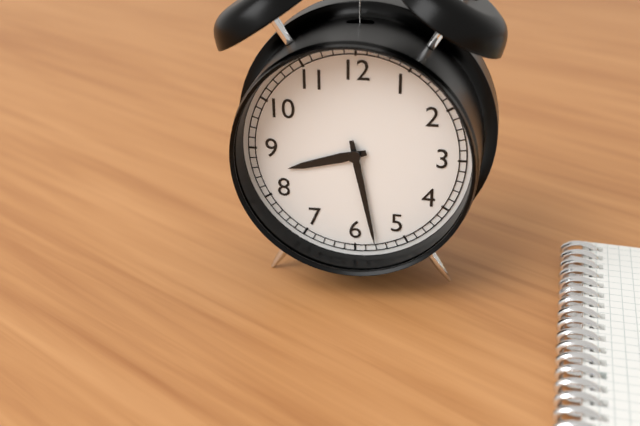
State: 8h28
